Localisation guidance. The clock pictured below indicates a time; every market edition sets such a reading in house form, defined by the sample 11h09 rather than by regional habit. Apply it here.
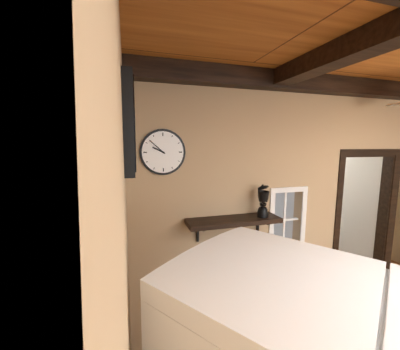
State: 9h52
